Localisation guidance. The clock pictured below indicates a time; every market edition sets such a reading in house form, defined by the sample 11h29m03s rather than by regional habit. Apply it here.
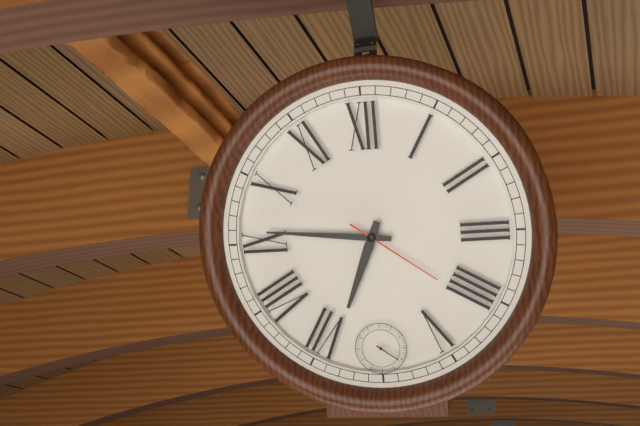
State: 6h46m21s
